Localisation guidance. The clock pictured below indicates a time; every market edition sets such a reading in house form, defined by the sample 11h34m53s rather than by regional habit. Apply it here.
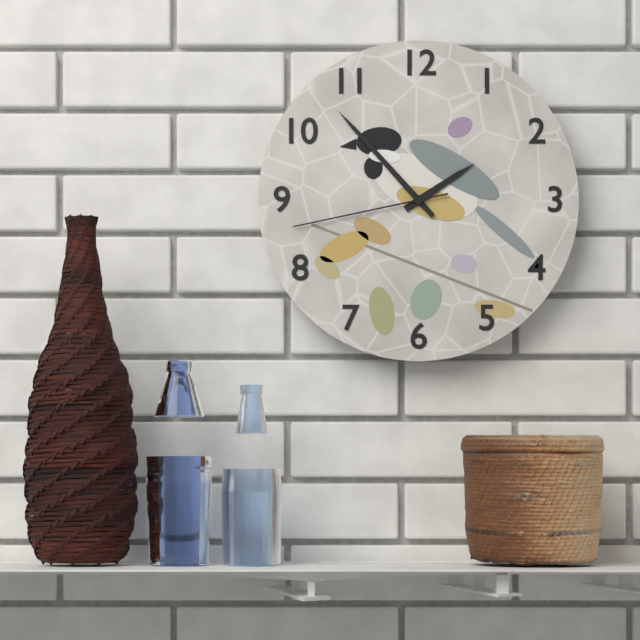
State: 1h53m43s
